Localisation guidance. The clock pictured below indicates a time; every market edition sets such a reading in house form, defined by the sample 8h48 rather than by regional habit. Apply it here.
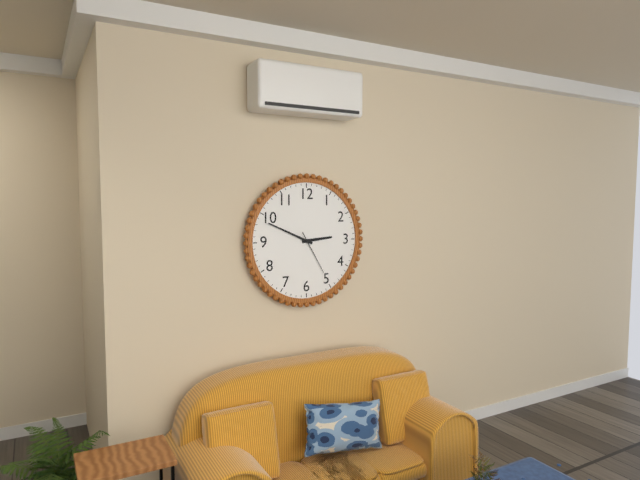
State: 2h49
